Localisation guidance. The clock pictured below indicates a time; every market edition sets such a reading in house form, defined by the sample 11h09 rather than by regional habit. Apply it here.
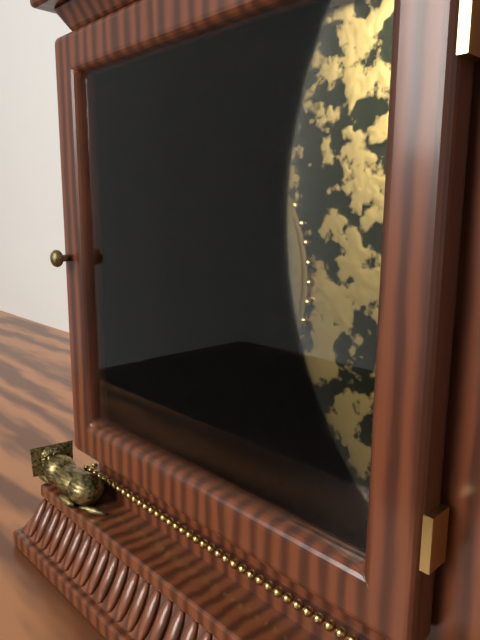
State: 9h59
